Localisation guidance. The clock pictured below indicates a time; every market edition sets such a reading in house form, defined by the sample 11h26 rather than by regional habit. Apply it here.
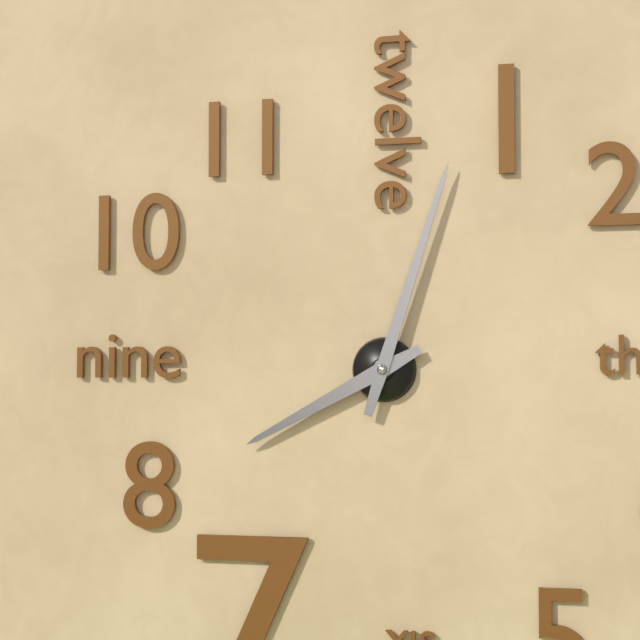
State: 8h03
